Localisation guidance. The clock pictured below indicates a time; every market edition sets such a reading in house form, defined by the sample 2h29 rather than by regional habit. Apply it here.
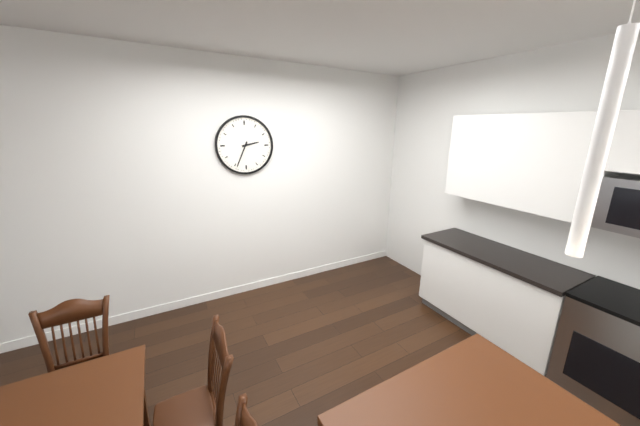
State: 2h34
